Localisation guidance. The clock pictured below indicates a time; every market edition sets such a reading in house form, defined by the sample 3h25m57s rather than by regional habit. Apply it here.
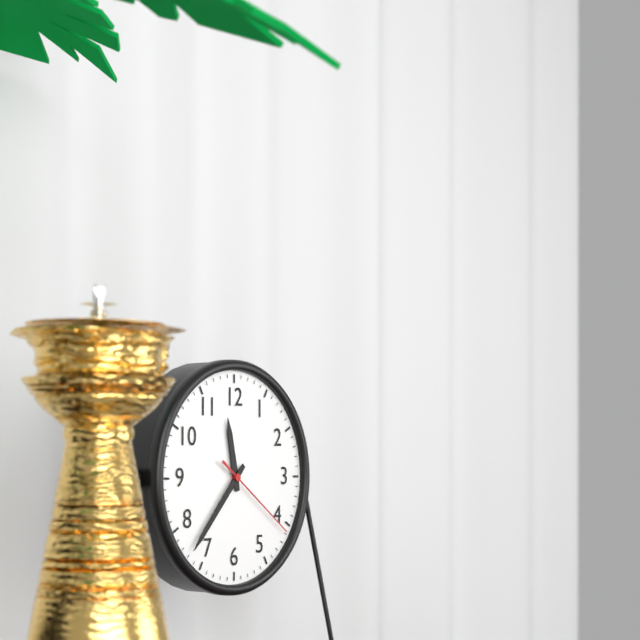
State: 11h37m21s
